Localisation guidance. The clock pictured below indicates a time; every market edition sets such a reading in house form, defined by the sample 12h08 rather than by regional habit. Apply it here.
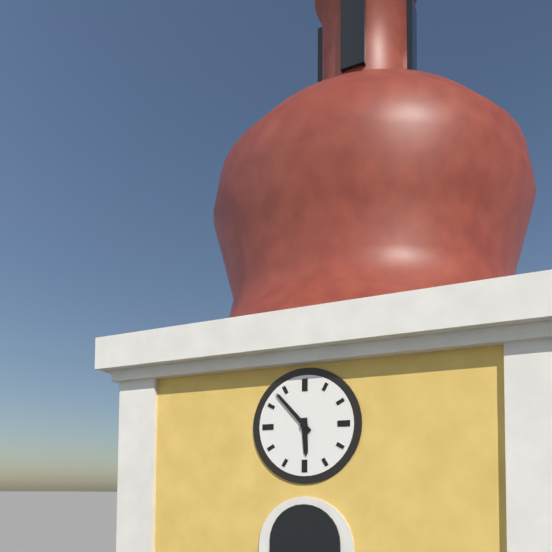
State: 5h53
